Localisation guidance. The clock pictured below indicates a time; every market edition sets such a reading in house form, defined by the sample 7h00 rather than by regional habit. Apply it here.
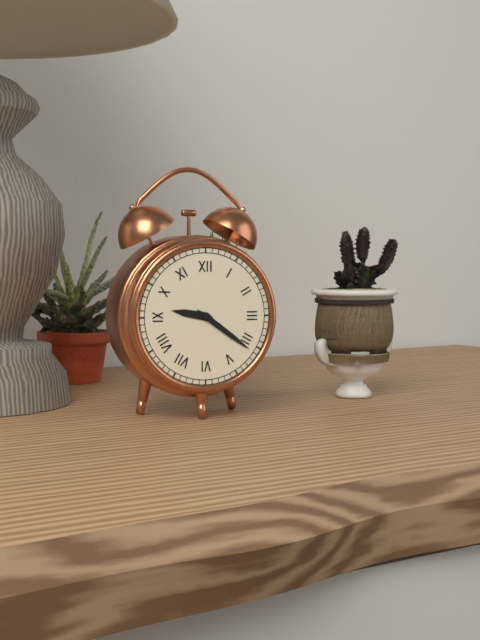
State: 9h21
